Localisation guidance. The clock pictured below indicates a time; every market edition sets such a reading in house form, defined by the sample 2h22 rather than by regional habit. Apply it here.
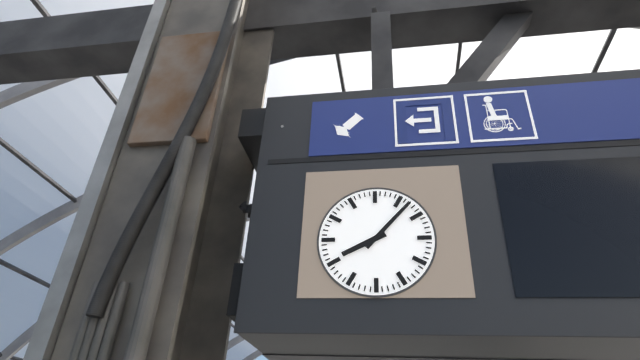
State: 8h07
